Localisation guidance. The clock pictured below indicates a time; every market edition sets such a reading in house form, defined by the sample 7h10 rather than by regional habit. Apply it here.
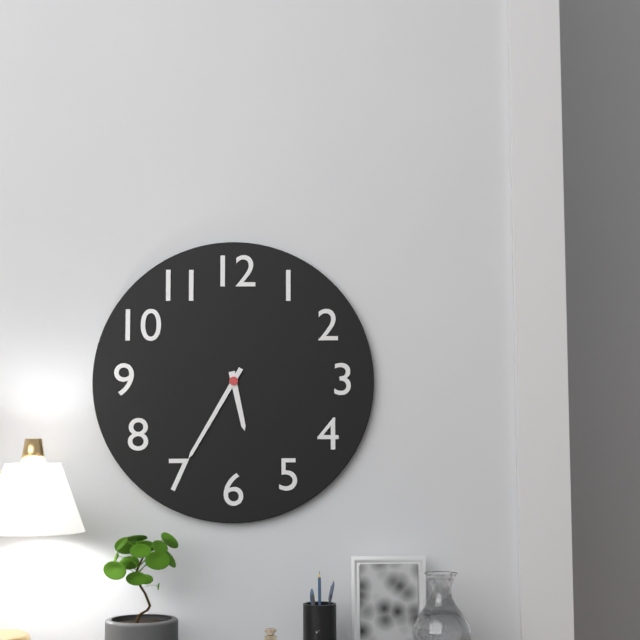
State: 5h35
